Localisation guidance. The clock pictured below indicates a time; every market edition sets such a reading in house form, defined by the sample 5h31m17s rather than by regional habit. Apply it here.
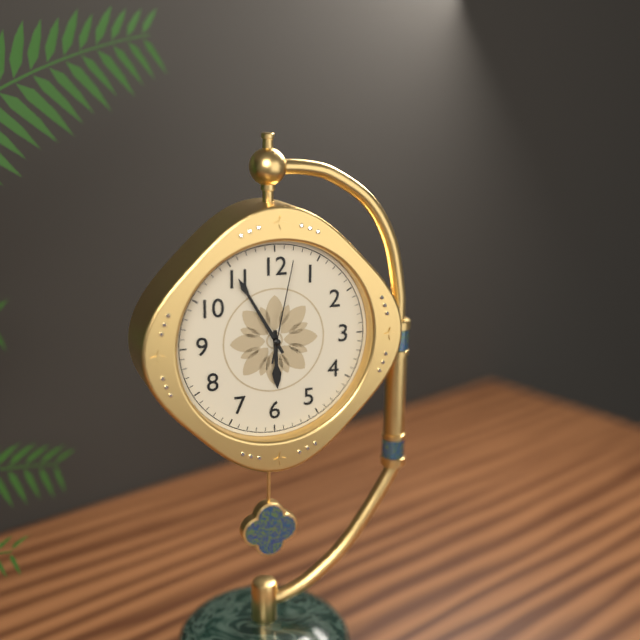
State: 5h55m02s
